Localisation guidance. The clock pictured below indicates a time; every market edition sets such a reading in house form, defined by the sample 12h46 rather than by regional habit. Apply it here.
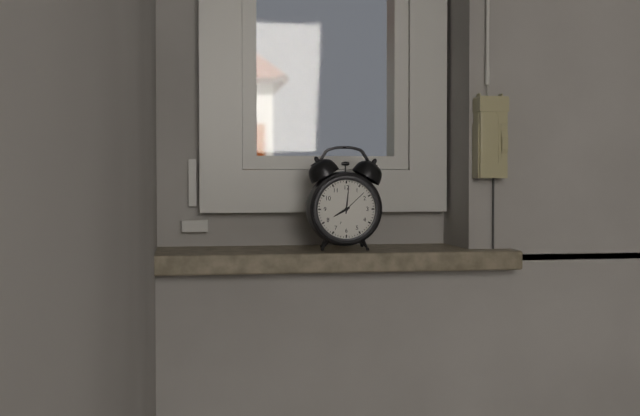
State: 8h01
